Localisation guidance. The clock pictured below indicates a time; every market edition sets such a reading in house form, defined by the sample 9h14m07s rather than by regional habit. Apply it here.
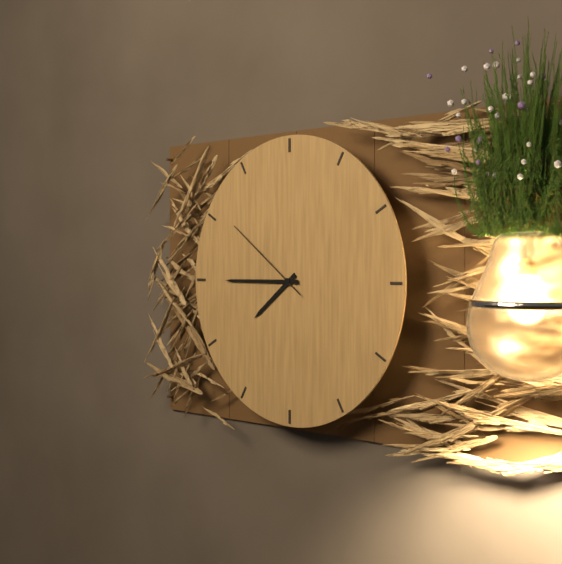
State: 7h45m51s
